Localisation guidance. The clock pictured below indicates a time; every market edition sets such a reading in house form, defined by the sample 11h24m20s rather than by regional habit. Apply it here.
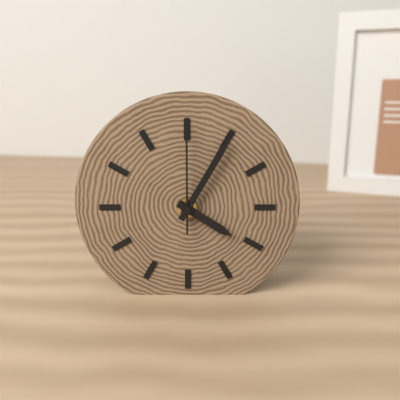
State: 4h05m00s
